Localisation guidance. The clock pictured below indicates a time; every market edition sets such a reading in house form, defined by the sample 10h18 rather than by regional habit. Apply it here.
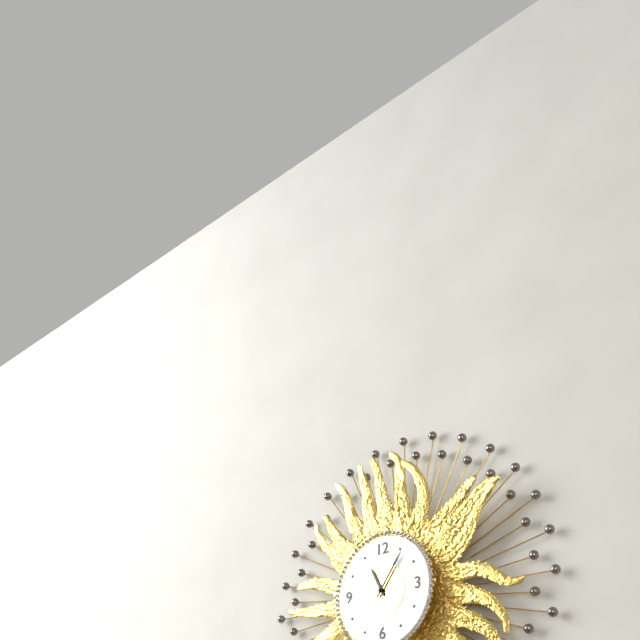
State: 11h06
